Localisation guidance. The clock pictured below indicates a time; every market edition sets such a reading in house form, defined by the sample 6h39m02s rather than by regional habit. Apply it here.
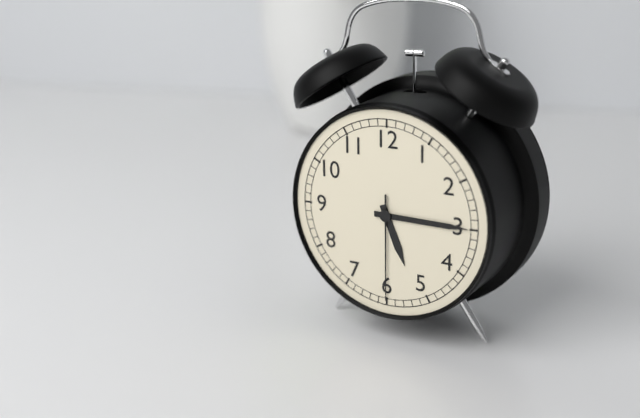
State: 5h15m30s
